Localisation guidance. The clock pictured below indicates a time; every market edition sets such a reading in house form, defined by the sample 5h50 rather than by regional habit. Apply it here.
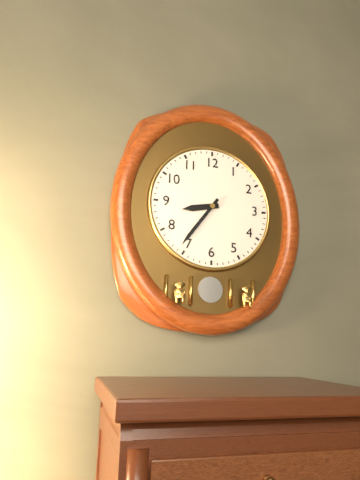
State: 8h36
